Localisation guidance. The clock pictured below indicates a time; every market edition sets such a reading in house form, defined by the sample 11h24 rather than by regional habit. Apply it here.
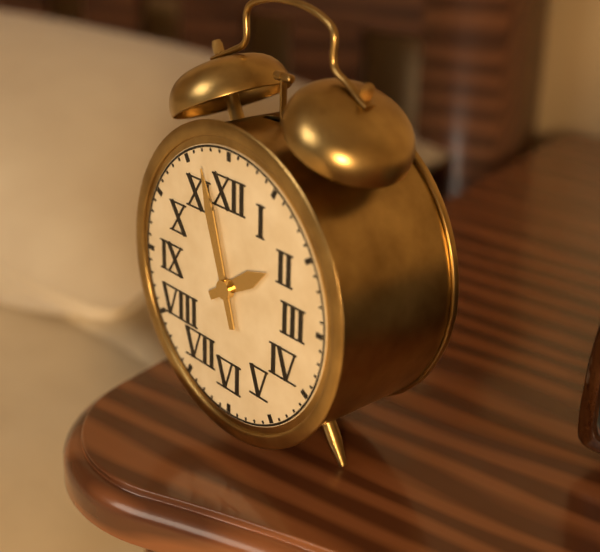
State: 1h57
